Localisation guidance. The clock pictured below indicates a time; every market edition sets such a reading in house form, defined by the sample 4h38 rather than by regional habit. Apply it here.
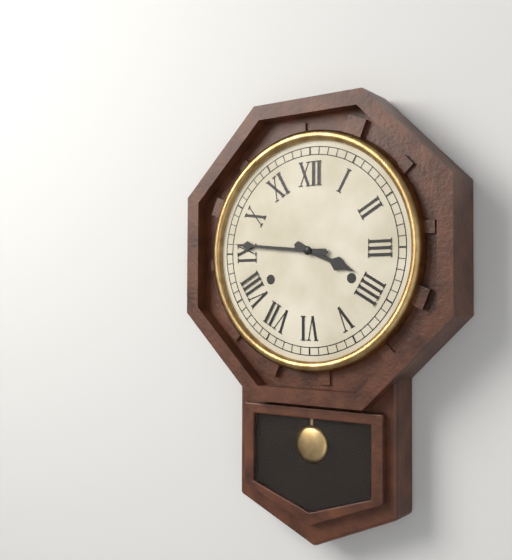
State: 3h46
